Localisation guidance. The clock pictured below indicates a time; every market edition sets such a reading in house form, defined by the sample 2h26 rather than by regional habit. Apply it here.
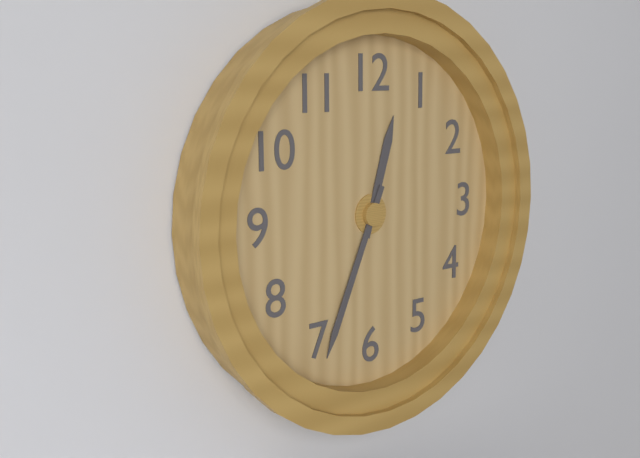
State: 12h34
